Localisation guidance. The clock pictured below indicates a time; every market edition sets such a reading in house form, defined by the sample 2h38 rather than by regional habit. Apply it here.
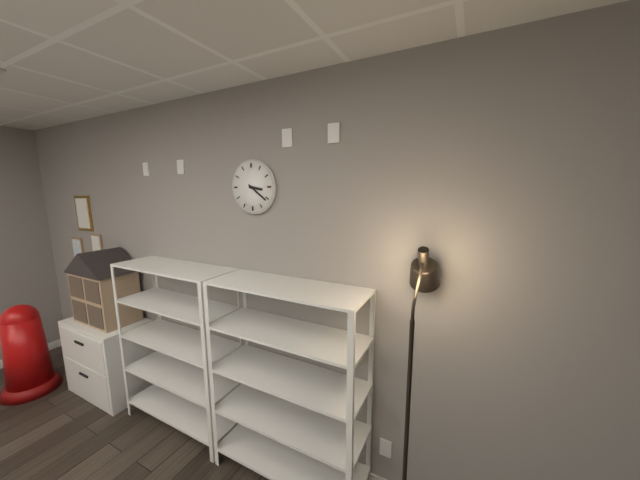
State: 3h21
